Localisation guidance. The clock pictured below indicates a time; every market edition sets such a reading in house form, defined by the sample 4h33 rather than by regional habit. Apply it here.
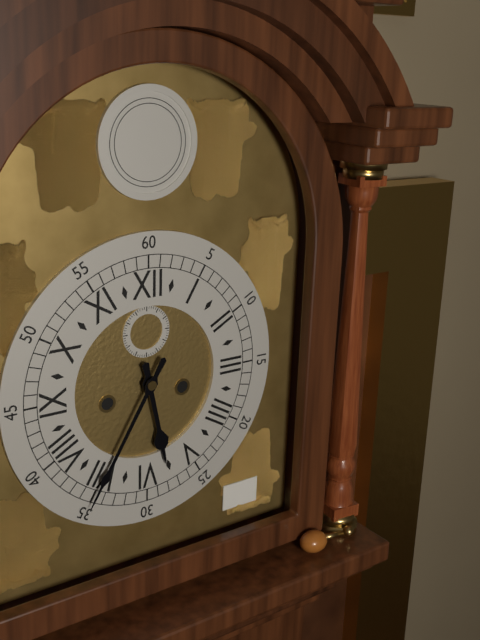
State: 5h35
